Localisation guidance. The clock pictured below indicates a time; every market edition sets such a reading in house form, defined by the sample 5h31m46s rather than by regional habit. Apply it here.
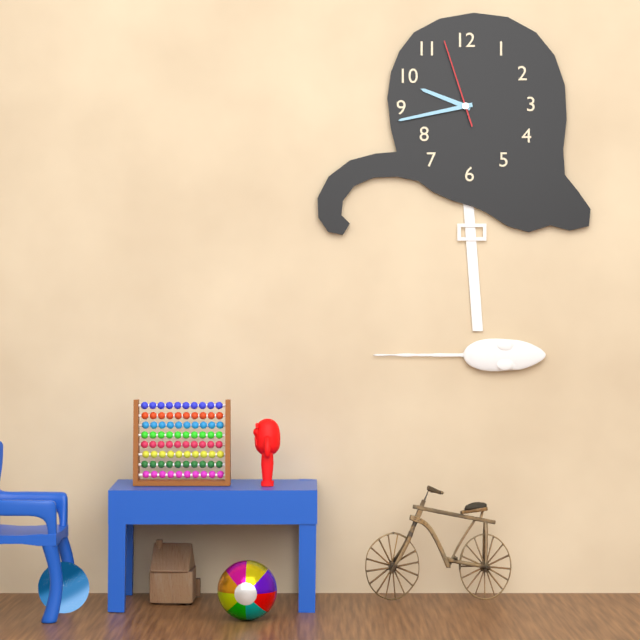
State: 9h43m57s
